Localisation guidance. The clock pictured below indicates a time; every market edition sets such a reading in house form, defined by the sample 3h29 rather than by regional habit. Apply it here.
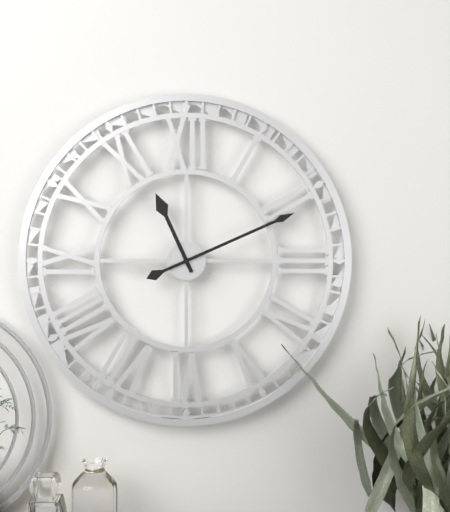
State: 11h11
